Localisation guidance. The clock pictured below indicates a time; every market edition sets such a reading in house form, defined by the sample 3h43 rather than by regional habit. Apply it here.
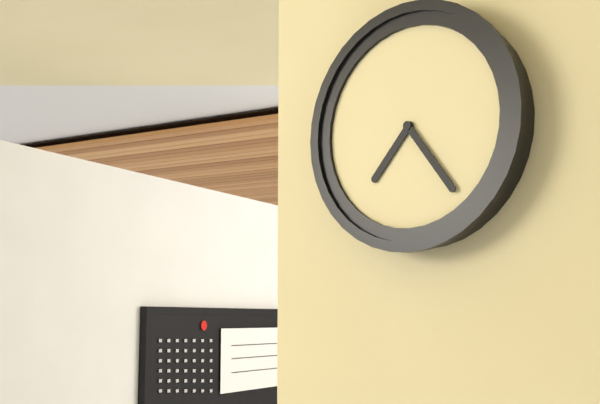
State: 7h24
